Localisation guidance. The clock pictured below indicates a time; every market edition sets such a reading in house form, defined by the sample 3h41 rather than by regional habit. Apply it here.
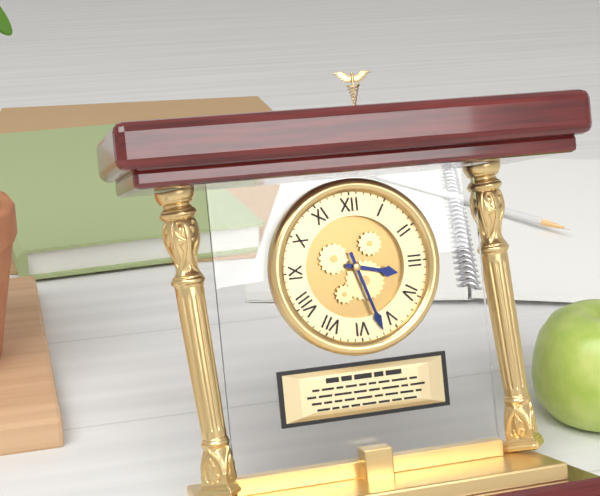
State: 3h27
